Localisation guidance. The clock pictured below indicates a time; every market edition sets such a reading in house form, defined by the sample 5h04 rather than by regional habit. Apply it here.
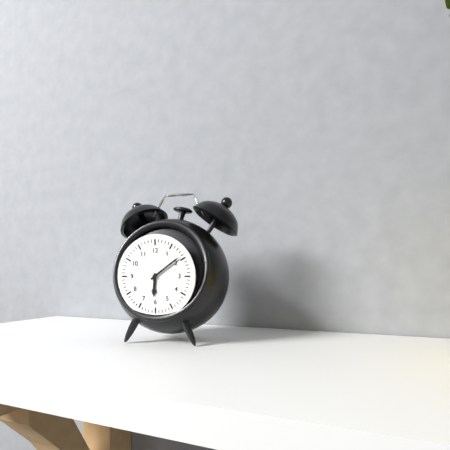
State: 6h09
